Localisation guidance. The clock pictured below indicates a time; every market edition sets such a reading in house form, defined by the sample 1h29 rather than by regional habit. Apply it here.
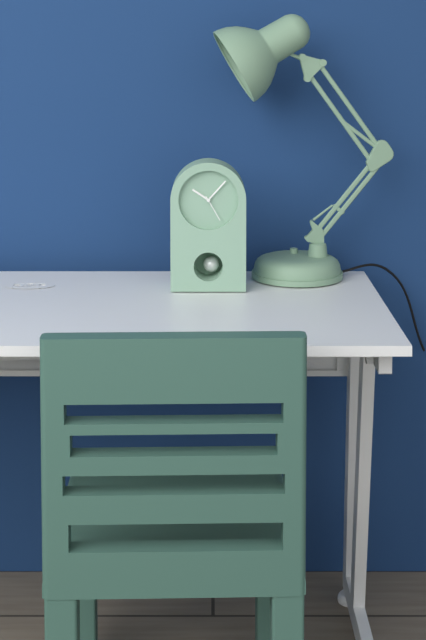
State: 10h07
